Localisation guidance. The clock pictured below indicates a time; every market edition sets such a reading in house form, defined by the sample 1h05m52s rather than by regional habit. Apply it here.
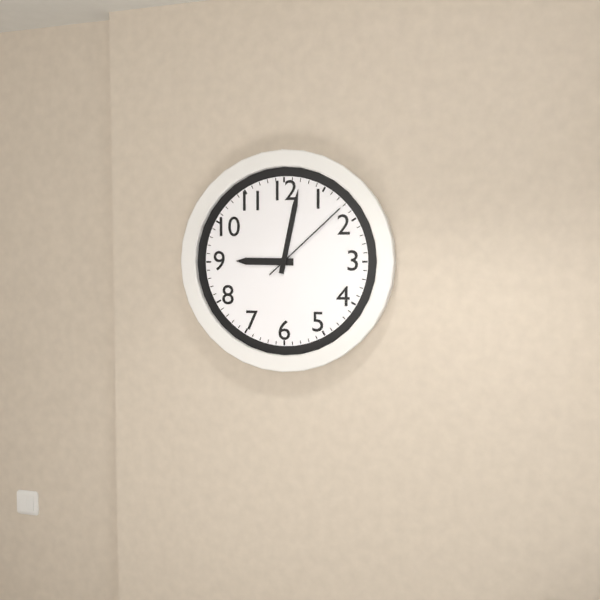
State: 9h02m08s
